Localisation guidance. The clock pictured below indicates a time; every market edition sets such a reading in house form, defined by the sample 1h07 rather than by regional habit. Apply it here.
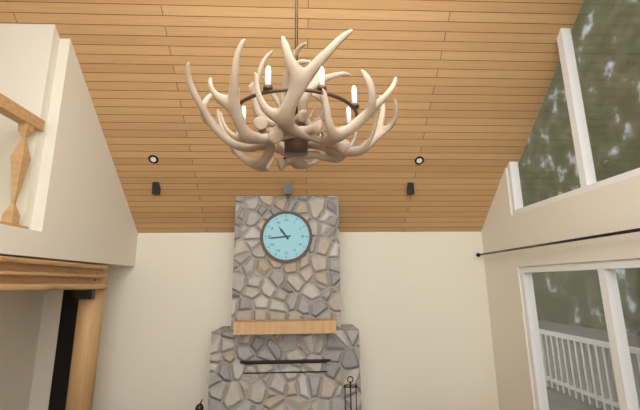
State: 10h44
